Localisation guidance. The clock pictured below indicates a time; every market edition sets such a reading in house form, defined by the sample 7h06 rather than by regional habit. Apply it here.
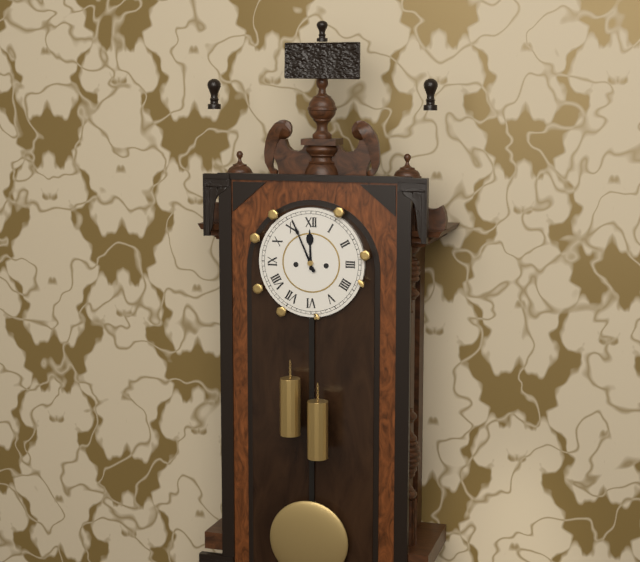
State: 11h56
